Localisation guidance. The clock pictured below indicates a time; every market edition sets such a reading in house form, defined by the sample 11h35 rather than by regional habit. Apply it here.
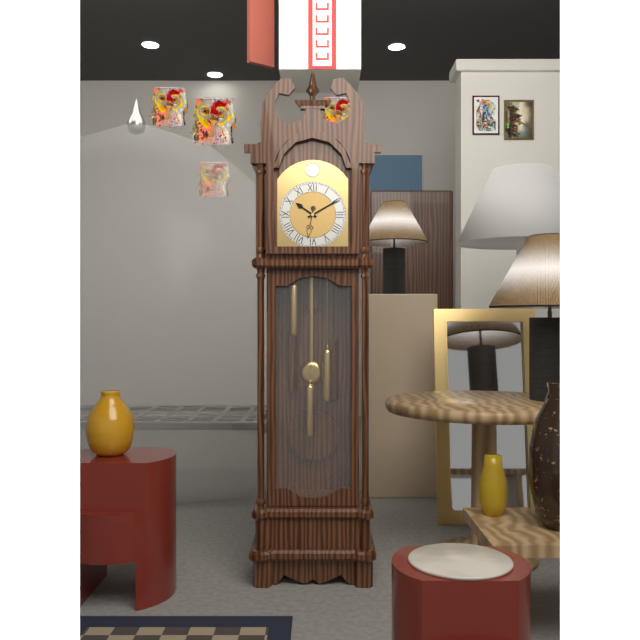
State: 10h10
